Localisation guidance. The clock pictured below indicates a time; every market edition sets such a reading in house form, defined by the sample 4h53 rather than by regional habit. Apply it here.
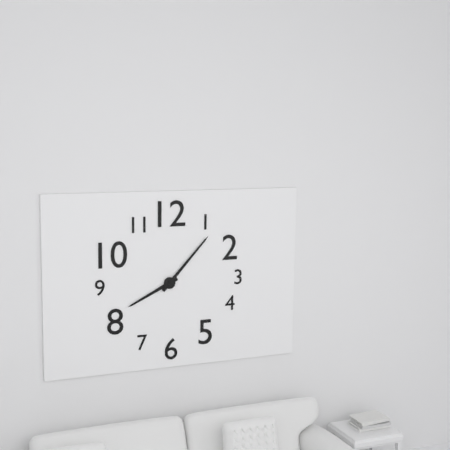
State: 8h07
